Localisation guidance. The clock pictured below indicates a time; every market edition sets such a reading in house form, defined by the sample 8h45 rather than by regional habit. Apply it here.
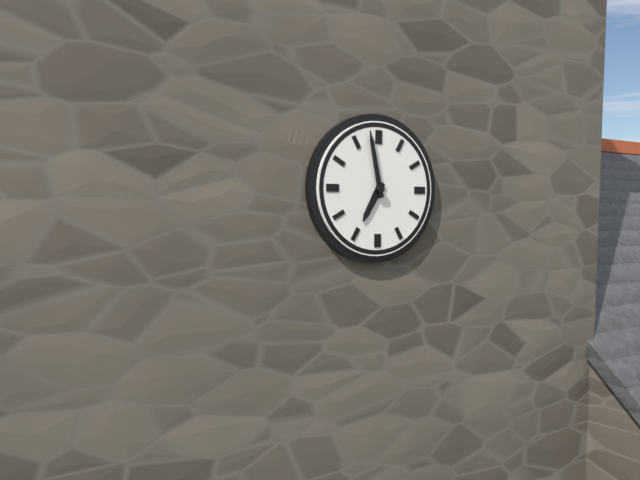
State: 6h58
